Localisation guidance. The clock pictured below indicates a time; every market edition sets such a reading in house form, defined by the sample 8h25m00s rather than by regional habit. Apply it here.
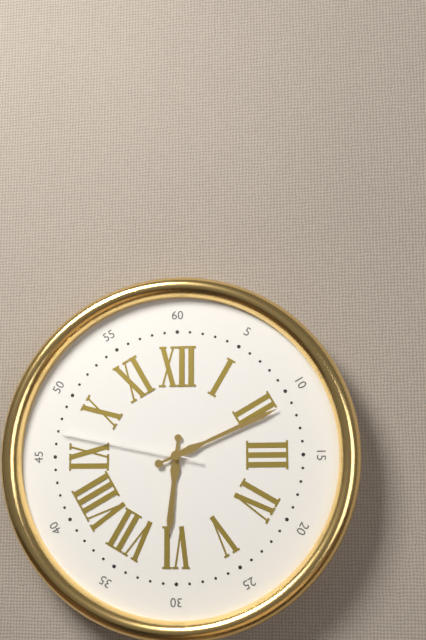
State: 6h11m47s
